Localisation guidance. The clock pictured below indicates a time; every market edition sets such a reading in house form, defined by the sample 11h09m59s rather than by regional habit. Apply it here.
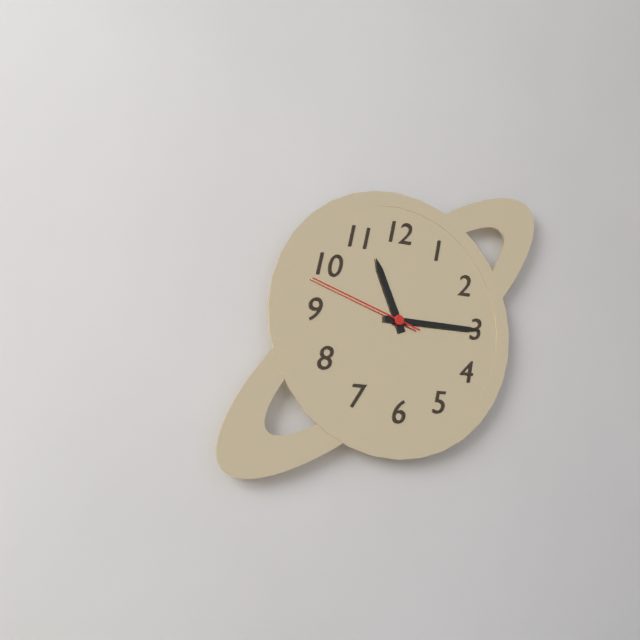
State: 11h15m48s
